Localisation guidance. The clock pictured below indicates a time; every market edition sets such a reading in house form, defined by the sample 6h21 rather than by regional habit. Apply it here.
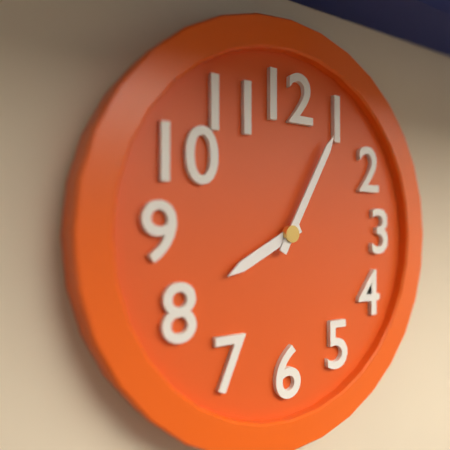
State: 8h05
